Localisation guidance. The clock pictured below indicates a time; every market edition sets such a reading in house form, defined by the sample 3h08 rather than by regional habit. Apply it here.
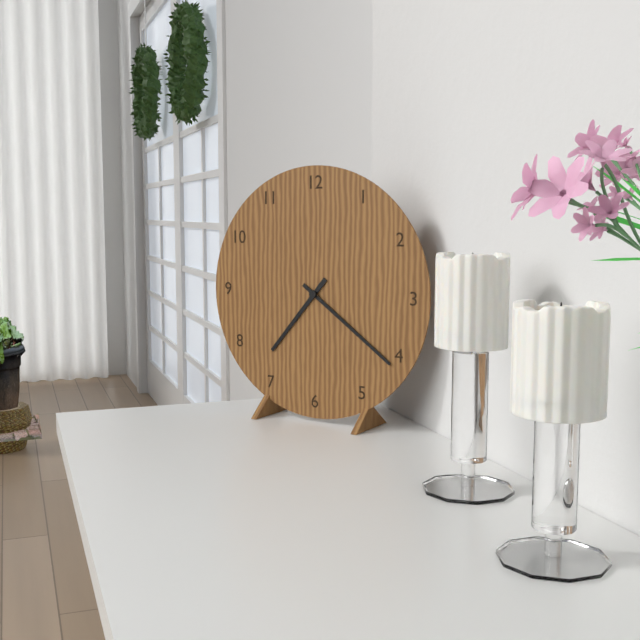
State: 7h21
